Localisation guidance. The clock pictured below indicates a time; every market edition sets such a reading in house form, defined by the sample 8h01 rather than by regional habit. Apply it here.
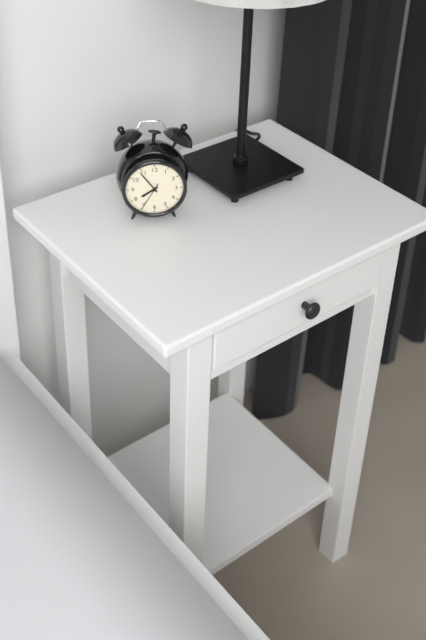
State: 7h54
